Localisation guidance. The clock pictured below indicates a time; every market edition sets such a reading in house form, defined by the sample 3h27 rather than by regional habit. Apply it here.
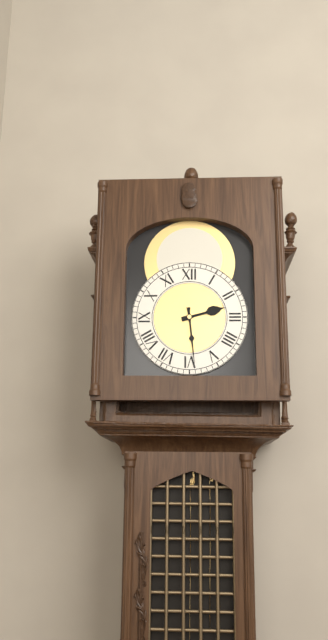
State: 2h29
